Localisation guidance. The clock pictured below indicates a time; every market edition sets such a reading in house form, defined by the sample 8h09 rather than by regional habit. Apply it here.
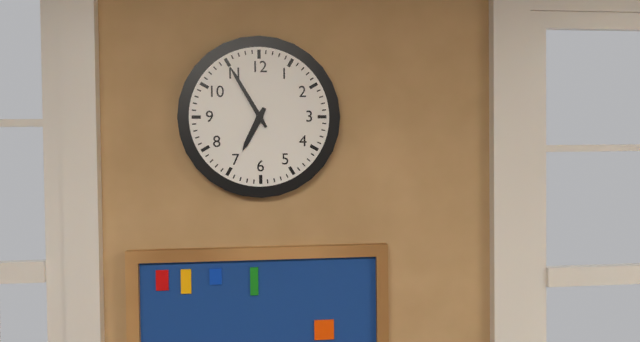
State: 6h55
